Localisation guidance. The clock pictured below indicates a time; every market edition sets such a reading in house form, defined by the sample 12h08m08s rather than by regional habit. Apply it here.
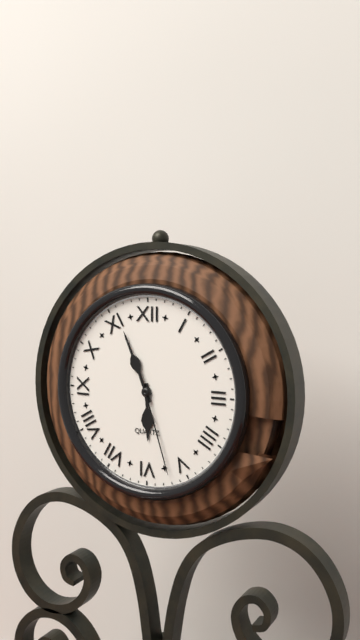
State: 5h56m27s
